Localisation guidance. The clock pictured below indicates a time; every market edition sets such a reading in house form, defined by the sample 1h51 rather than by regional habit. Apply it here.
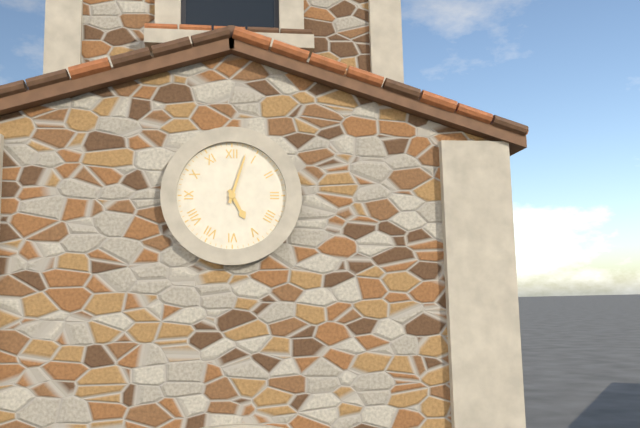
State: 5h03
